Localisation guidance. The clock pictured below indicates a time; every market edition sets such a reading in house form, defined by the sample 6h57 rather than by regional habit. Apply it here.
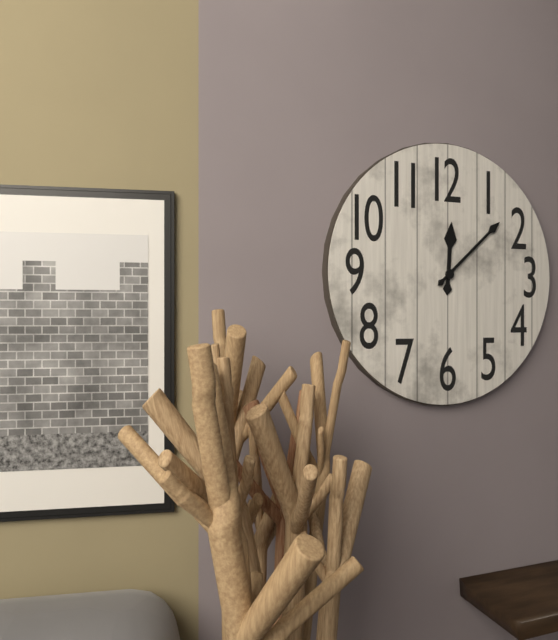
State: 12h08
